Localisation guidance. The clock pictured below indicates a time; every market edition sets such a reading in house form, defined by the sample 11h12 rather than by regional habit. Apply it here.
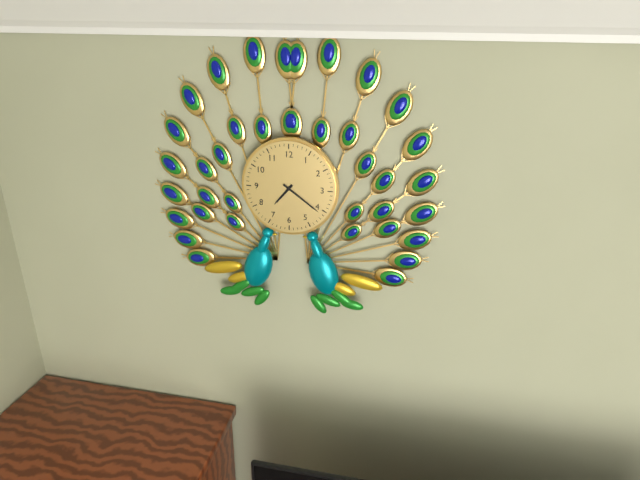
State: 7h21
